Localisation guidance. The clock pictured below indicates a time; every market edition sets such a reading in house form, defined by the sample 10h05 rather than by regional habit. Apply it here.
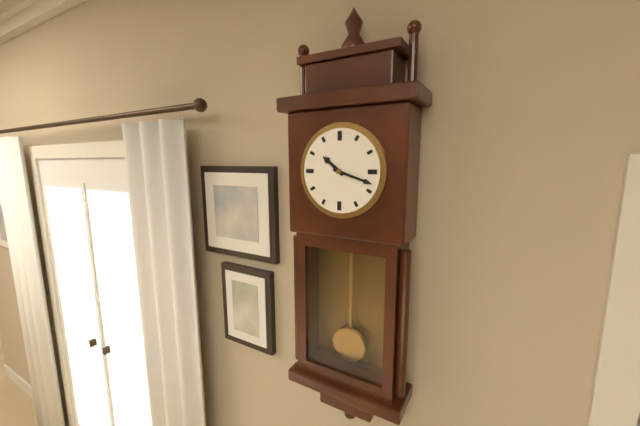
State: 10h18
